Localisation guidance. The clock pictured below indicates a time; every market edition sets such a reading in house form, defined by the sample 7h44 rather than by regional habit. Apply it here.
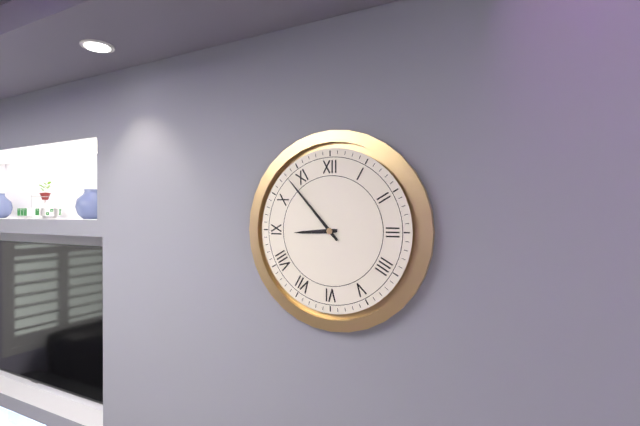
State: 8h53
